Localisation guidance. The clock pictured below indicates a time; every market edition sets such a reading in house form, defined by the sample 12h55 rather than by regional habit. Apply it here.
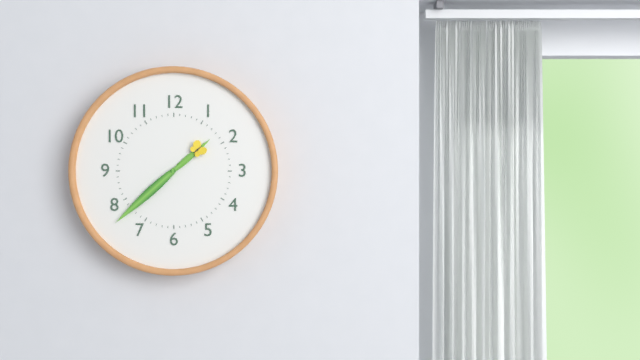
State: 1h38
